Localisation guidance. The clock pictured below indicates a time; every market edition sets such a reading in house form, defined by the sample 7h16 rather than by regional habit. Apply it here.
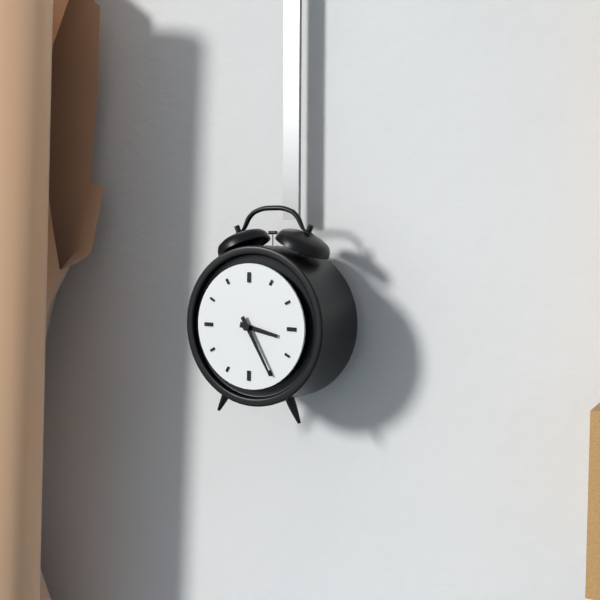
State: 3h25
